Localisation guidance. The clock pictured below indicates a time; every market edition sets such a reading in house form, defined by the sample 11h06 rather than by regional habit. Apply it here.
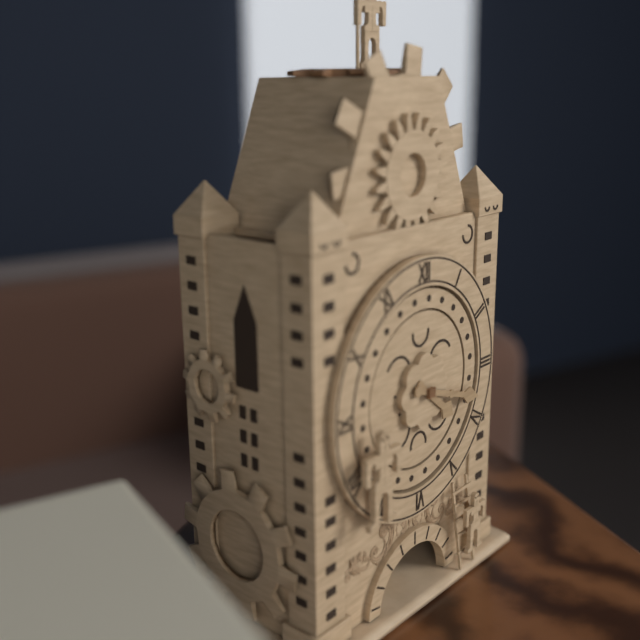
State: 4h18
